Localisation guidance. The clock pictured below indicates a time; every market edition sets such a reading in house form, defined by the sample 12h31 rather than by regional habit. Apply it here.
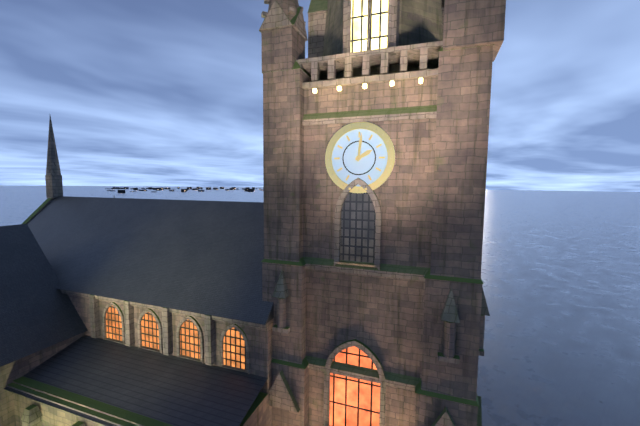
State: 2h01
